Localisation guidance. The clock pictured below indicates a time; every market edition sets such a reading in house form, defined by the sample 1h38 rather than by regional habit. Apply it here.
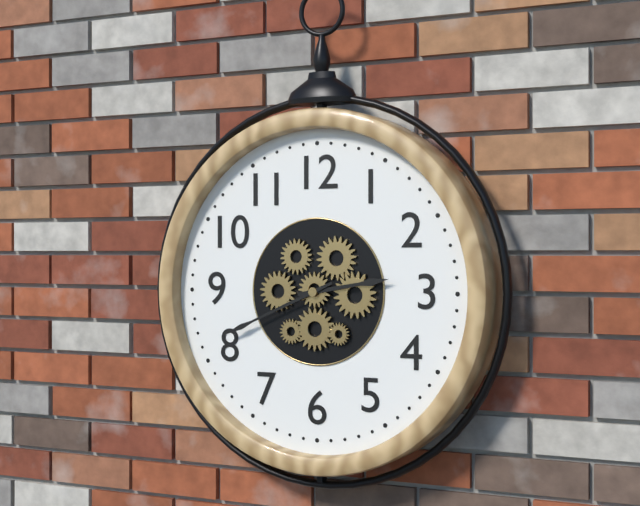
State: 2h41
